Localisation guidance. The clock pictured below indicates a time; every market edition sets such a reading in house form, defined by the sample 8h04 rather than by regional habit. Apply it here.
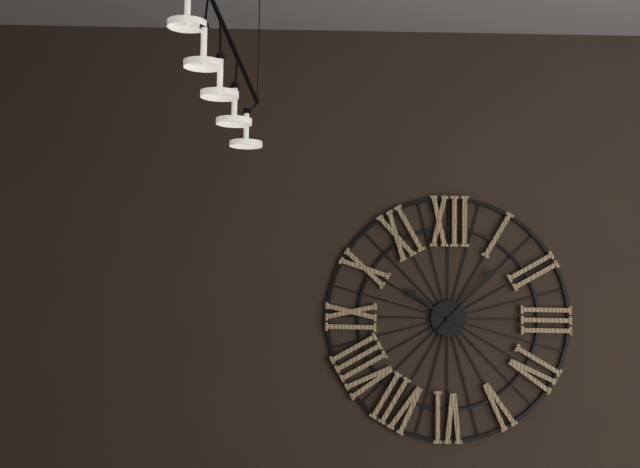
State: 10h07
